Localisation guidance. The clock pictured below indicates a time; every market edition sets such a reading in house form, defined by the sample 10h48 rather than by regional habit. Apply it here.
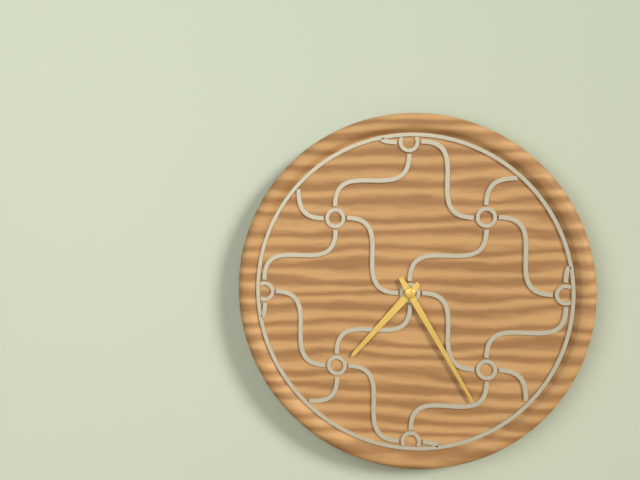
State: 7h25
